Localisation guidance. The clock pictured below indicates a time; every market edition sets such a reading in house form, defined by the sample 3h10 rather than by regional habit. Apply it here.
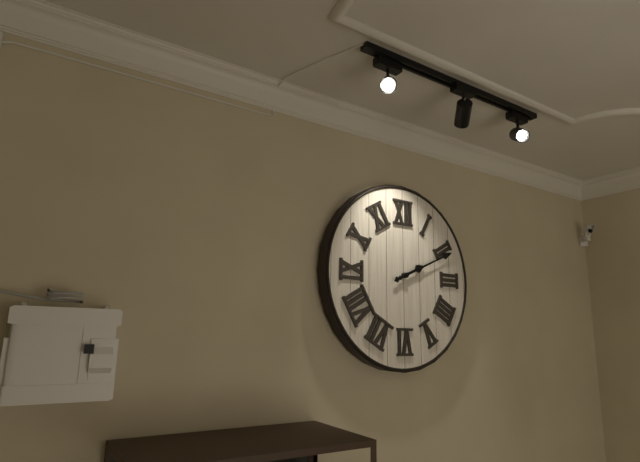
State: 2h11
